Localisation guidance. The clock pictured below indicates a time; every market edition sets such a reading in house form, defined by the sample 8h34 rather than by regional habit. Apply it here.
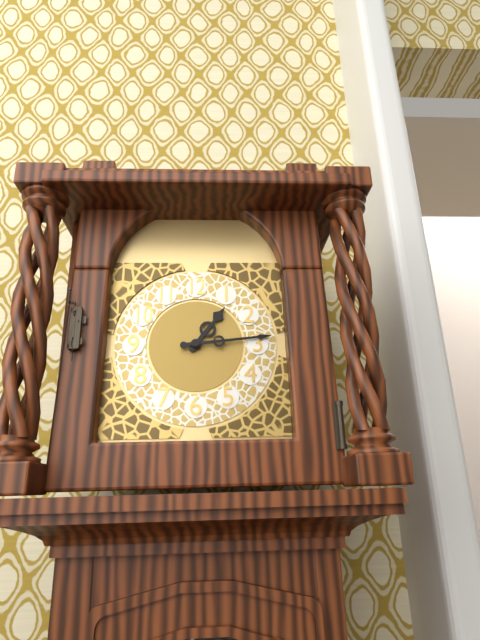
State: 1h14
